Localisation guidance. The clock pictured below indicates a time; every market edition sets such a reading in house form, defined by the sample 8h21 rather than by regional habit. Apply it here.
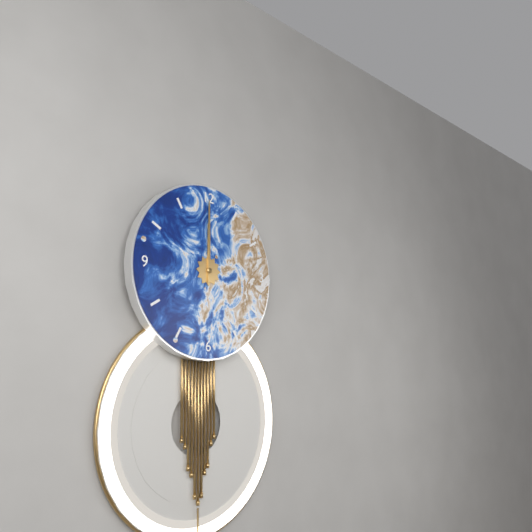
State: 12h00
